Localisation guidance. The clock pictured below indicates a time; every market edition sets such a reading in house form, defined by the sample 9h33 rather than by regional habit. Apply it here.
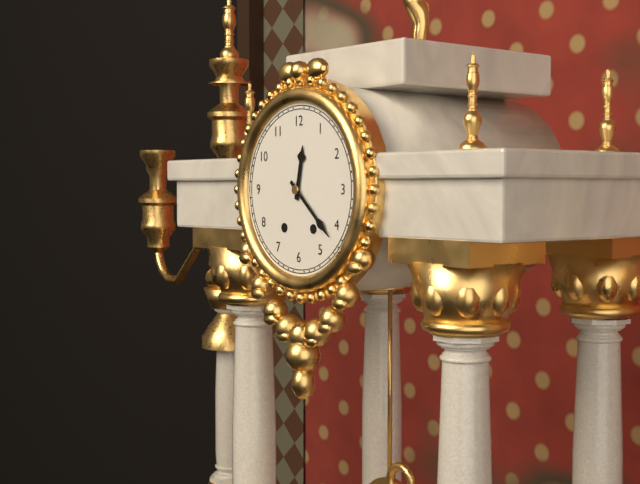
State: 12h22
